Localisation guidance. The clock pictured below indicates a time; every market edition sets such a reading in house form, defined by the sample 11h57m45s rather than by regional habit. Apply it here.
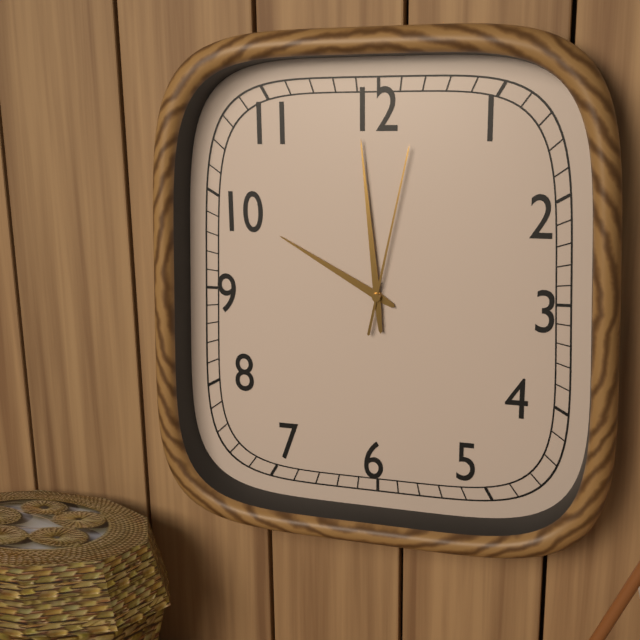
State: 9h59m02s
